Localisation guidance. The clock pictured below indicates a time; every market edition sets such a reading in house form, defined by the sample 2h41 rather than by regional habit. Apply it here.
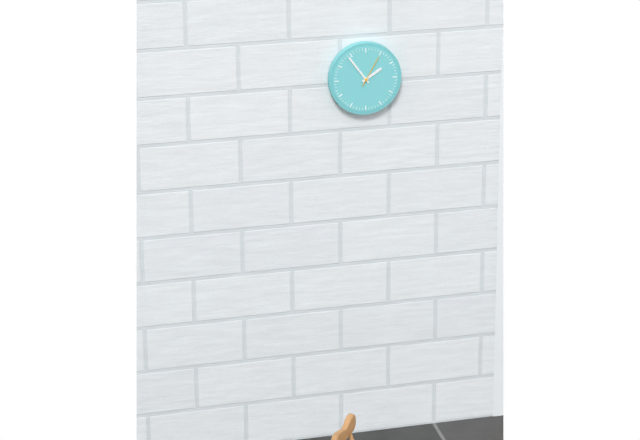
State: 1h54
